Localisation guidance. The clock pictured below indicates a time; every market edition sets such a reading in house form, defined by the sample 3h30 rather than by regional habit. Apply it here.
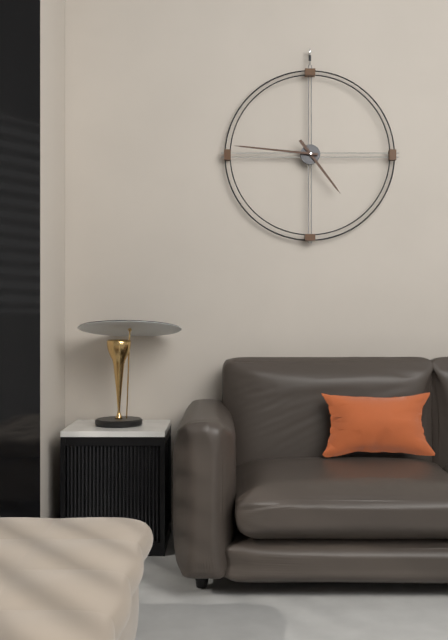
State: 4h46
